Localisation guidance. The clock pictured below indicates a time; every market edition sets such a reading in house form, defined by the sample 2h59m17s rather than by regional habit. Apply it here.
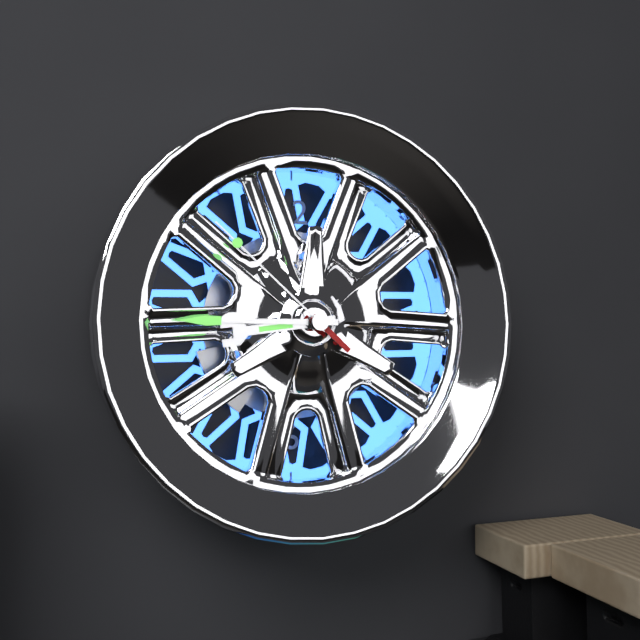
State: 8h45m52s
